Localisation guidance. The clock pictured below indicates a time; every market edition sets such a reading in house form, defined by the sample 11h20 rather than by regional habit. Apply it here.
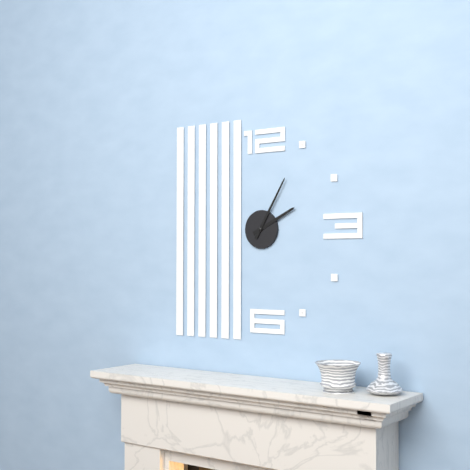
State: 2h05
